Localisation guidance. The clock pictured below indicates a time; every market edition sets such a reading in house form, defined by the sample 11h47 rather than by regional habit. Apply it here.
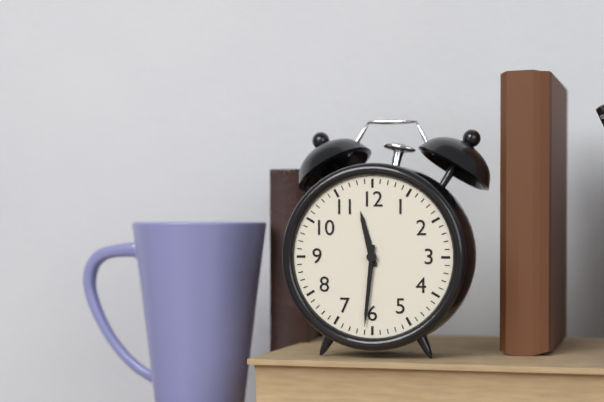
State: 11h31
